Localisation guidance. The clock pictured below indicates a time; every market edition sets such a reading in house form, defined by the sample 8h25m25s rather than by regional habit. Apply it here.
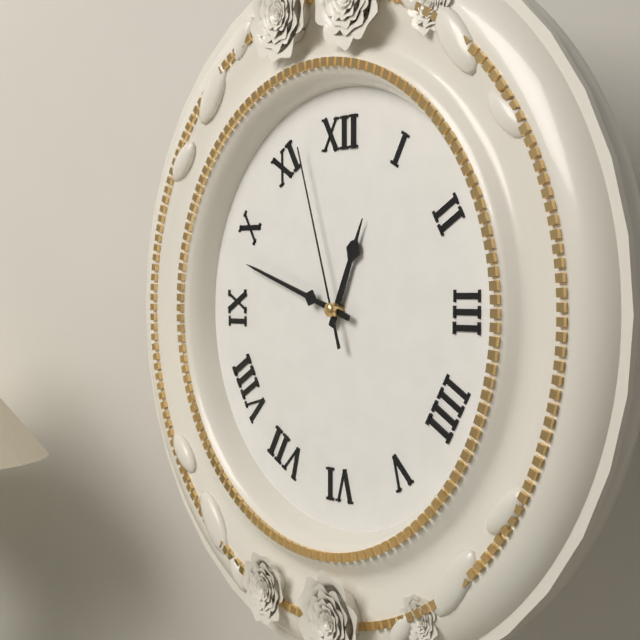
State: 12h48m57s
